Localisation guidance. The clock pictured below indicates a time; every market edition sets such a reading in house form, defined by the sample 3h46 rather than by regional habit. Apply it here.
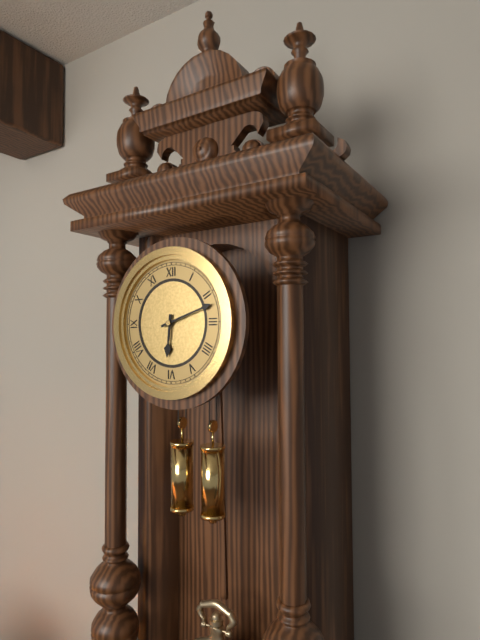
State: 6h12
